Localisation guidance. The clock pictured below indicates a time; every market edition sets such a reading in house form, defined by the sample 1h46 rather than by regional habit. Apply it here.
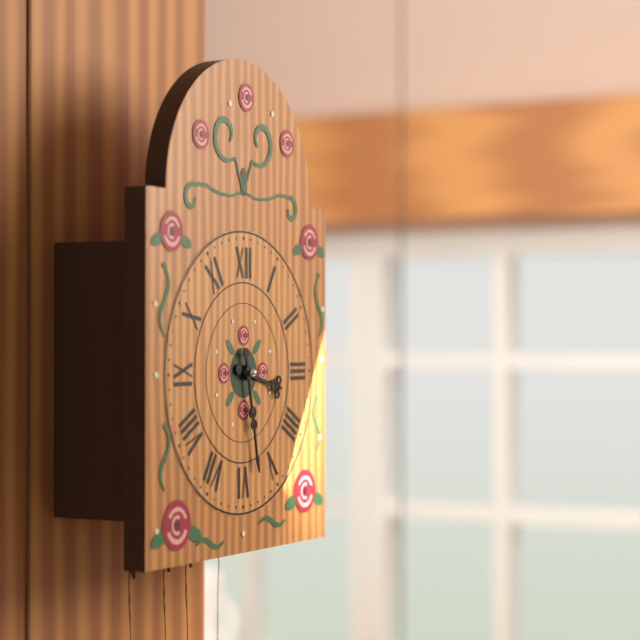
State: 3h28
